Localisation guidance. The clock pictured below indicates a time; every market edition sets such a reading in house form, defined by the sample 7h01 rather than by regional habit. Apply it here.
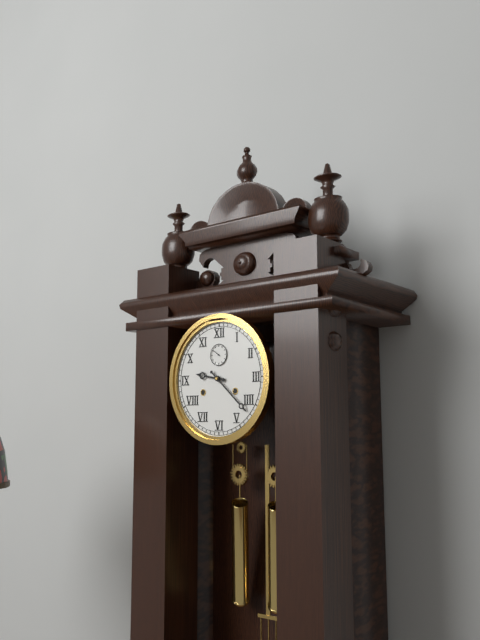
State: 9h22
